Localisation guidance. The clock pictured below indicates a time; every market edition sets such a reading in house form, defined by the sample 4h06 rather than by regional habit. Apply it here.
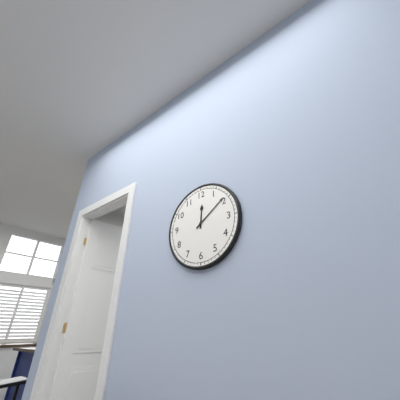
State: 12h09
